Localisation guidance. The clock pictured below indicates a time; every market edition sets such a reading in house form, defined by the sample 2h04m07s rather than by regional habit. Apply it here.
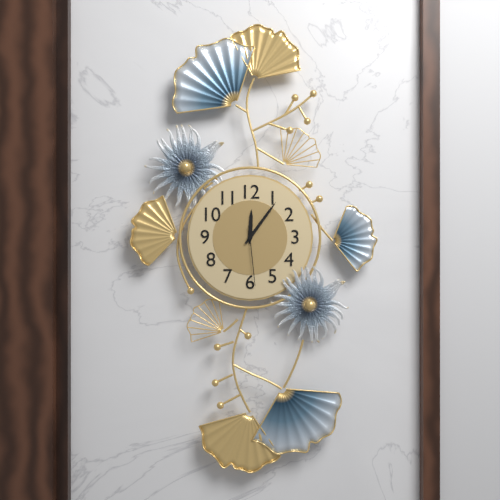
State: 12h06m29s
